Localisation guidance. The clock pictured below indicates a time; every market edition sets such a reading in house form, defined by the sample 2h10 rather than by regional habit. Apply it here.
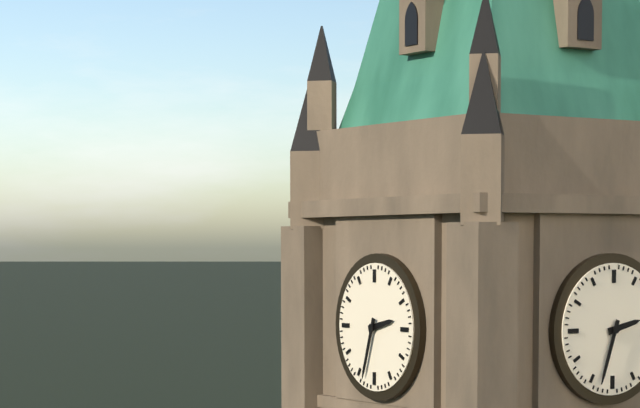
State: 2h33
